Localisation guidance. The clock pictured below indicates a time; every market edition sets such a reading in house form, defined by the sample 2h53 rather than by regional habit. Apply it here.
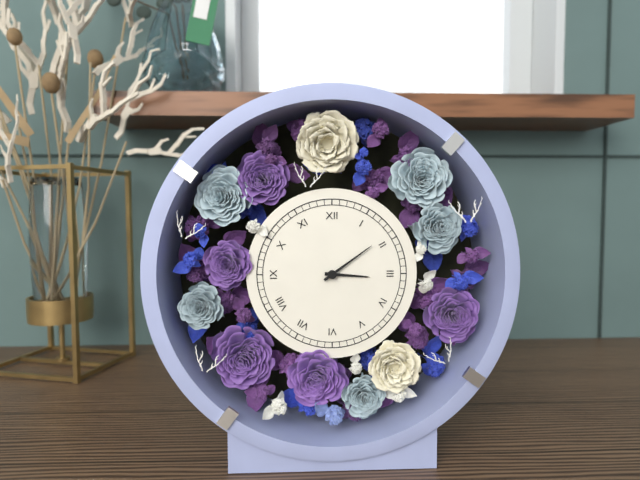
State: 3h09
